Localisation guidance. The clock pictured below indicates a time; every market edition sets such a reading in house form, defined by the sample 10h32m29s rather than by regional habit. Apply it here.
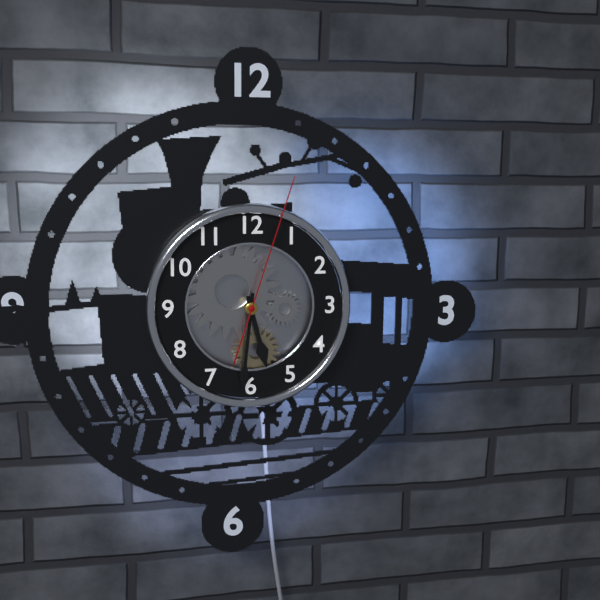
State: 5h31m03s
